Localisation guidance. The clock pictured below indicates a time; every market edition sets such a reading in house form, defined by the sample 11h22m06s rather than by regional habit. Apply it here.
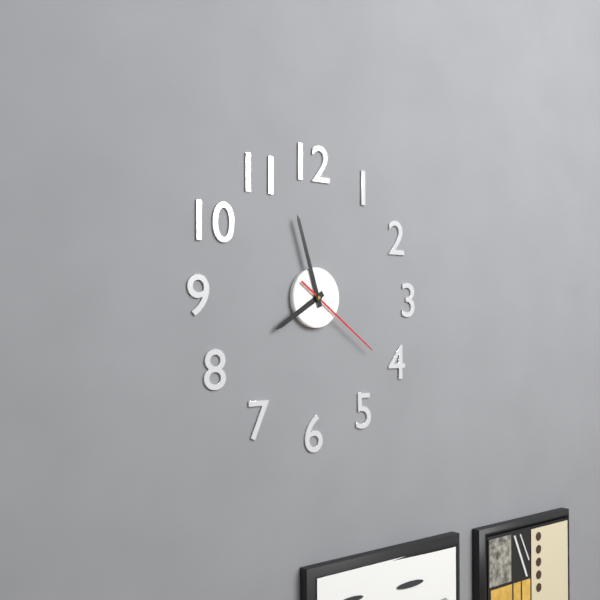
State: 7h57m21s
